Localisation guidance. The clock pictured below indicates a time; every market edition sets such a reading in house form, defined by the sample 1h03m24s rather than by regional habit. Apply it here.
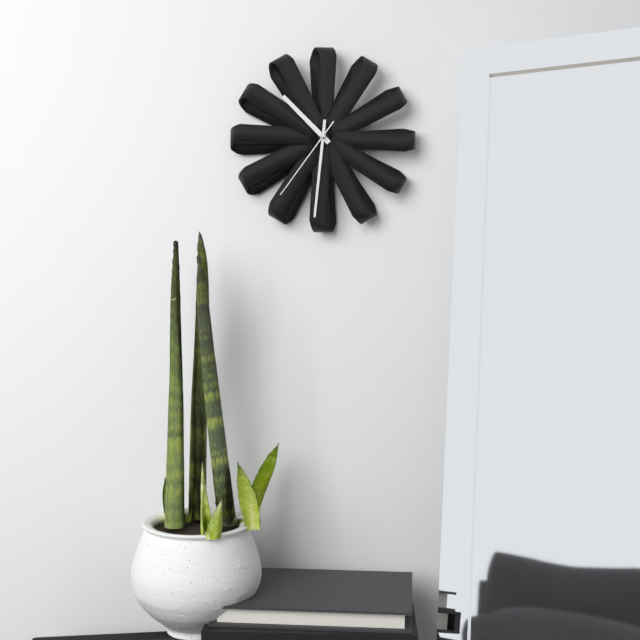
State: 10h31m36s
